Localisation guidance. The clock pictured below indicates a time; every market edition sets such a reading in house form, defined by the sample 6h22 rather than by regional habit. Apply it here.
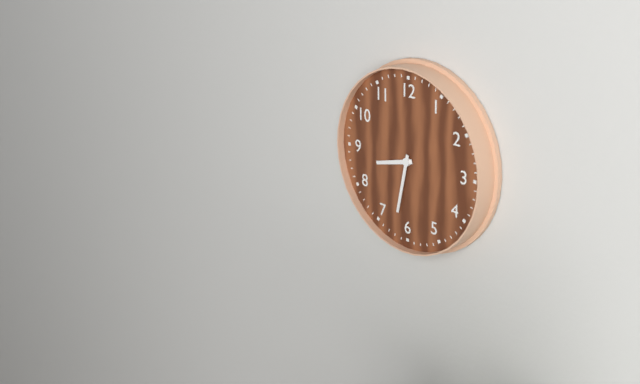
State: 8h32
